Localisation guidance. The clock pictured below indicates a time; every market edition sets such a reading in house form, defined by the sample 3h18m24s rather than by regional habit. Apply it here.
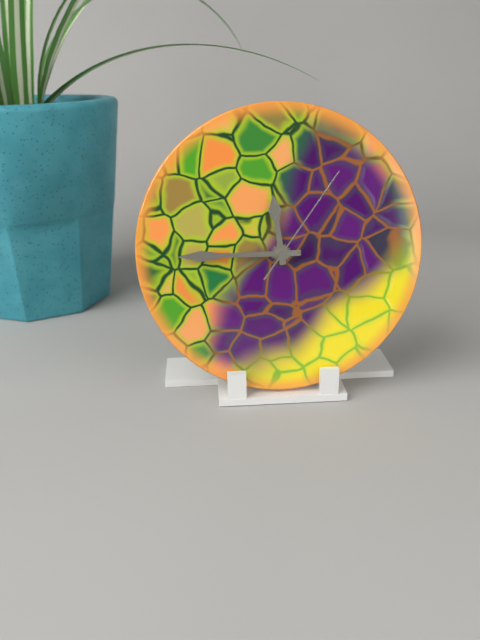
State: 11h45m06s
